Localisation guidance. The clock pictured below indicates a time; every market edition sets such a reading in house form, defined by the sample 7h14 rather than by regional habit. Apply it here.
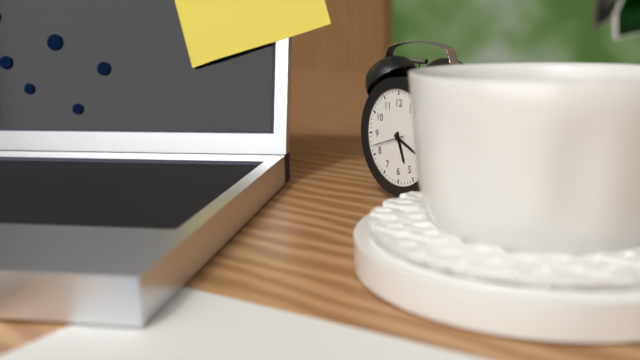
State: 5h19
